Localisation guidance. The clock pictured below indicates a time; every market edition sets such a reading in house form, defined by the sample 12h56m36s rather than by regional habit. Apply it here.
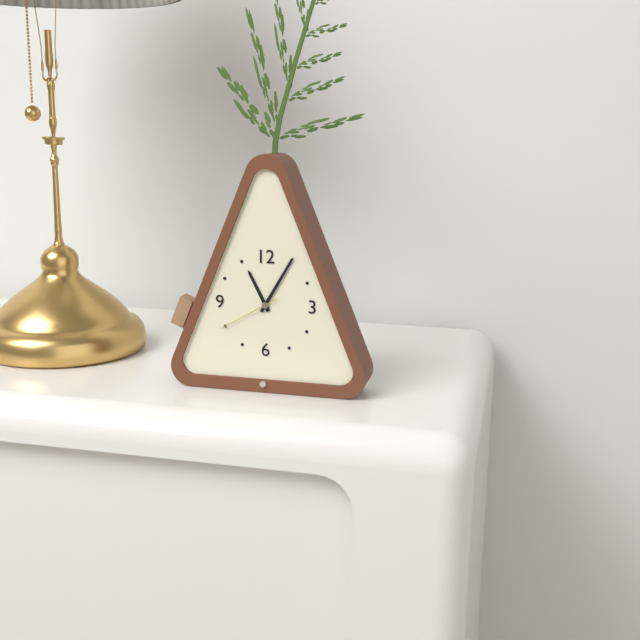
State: 11h05m40s
